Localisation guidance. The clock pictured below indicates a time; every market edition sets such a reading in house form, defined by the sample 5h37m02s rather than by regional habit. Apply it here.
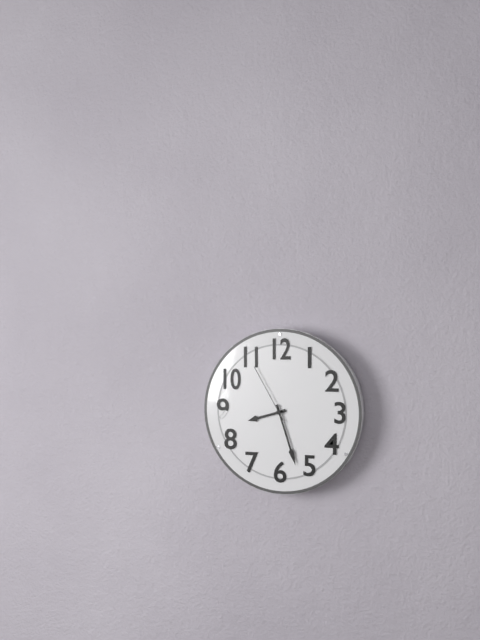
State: 8h27m55s
